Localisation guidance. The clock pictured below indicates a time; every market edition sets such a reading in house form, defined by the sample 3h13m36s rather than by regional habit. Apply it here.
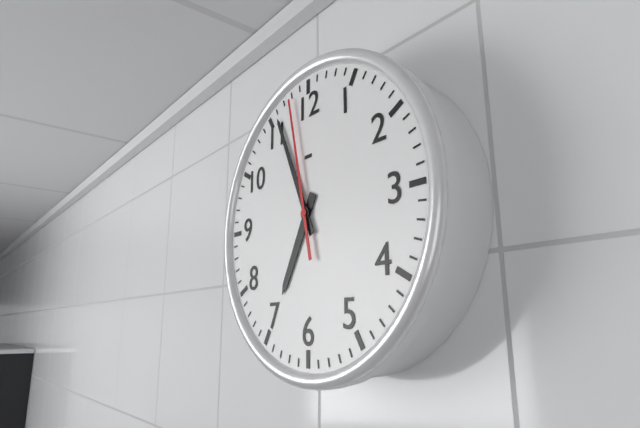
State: 6h56m58s
